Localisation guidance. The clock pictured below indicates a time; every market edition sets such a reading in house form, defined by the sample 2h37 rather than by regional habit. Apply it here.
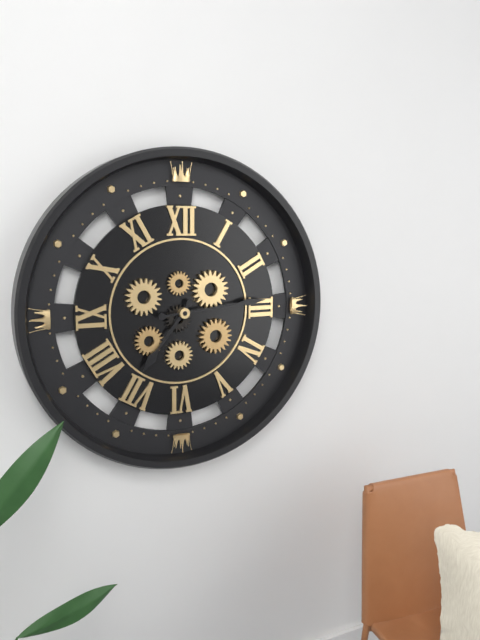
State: 7h14
